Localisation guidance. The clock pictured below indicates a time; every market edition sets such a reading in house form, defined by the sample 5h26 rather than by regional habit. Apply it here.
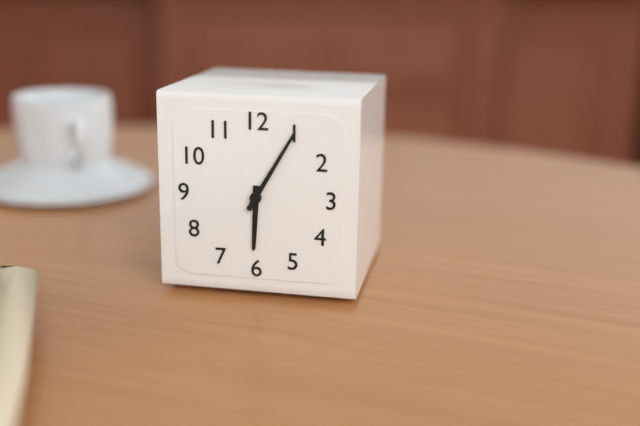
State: 6h05
